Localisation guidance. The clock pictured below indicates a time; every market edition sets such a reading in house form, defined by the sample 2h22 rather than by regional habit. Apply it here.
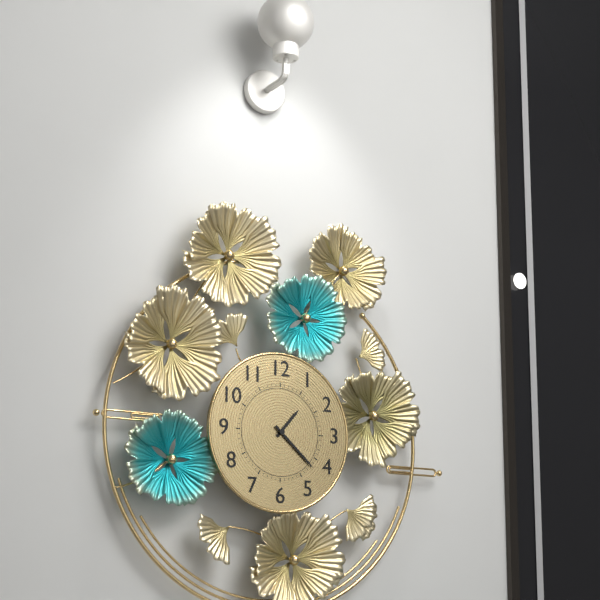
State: 1h22
